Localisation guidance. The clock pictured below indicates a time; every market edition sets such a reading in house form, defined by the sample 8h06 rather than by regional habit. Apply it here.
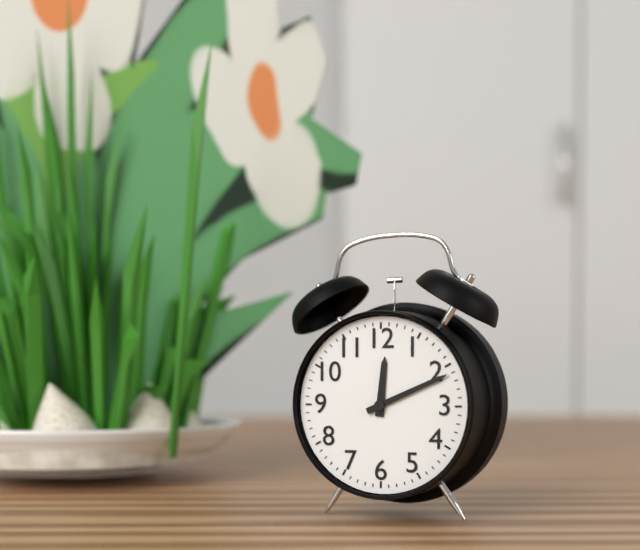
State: 12h11
